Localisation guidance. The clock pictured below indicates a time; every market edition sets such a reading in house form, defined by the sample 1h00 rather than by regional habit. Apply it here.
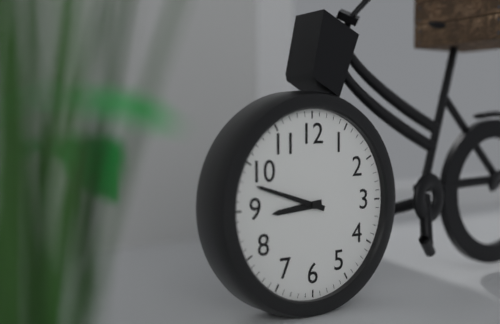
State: 8h48
